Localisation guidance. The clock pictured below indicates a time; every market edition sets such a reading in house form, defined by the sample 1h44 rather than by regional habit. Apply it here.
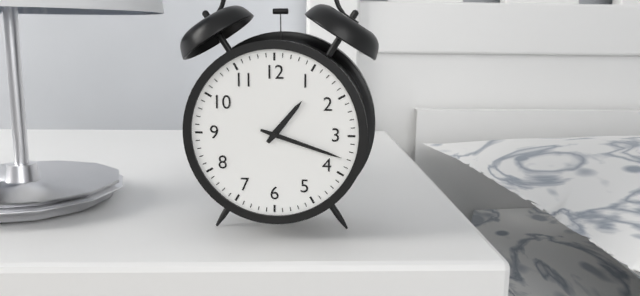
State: 1h18
